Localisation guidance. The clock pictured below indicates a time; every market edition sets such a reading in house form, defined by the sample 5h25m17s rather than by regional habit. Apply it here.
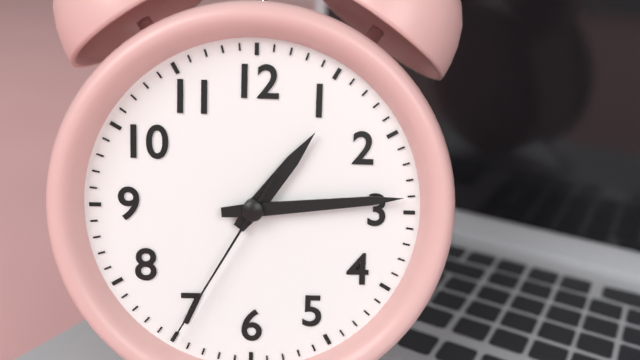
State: 1h14m35s
